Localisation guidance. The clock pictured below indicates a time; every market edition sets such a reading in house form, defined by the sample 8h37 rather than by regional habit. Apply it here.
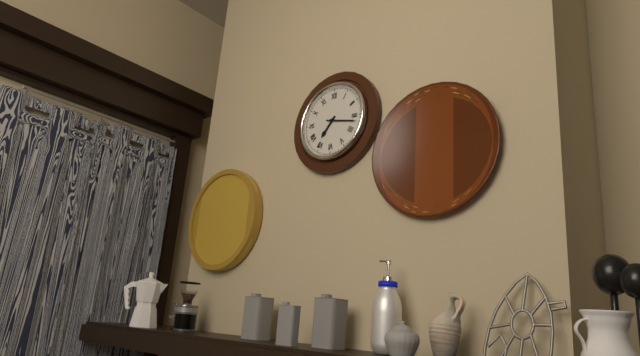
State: 7h17
